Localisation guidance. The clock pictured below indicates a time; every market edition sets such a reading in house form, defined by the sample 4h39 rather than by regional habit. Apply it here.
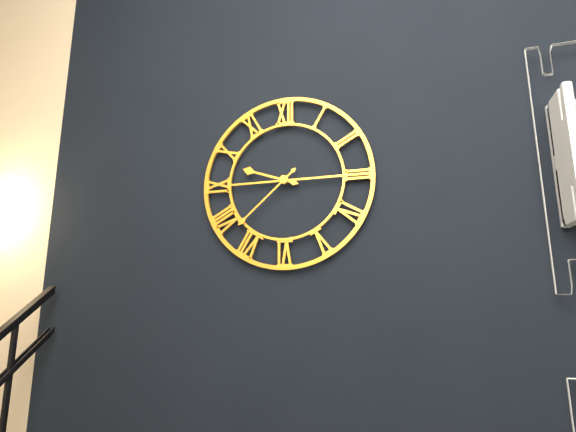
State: 9h38
